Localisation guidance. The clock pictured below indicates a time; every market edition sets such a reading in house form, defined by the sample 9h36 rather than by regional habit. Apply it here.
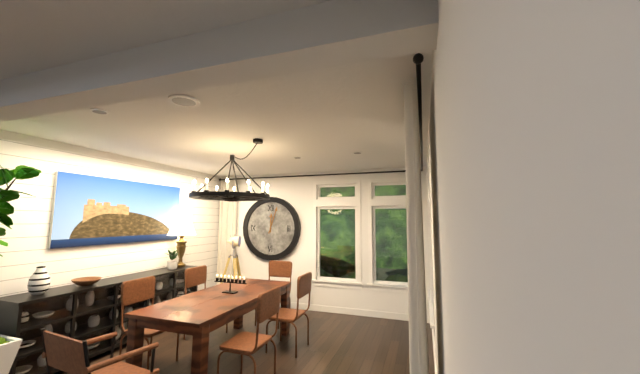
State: 12h03
